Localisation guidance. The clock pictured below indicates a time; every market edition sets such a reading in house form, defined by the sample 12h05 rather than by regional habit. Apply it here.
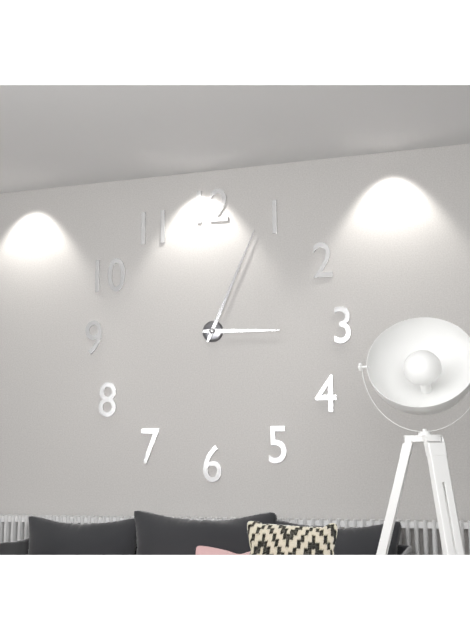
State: 3h04
